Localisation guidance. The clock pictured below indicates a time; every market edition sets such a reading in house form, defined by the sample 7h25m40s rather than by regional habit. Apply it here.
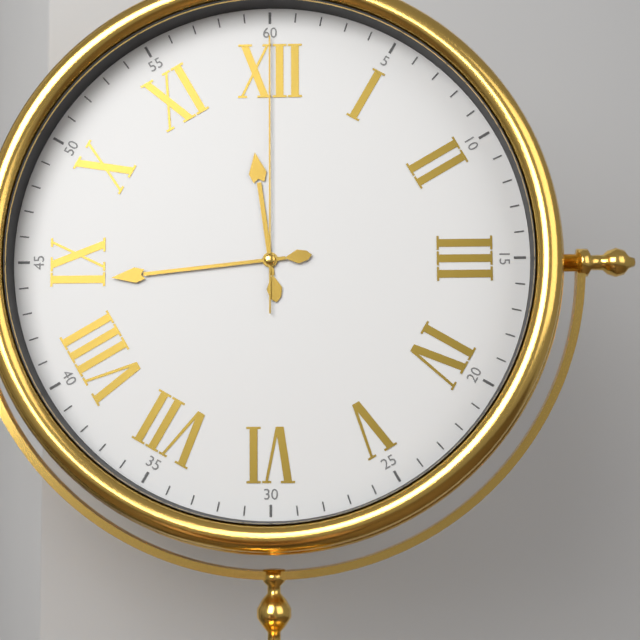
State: 11h44m00s
